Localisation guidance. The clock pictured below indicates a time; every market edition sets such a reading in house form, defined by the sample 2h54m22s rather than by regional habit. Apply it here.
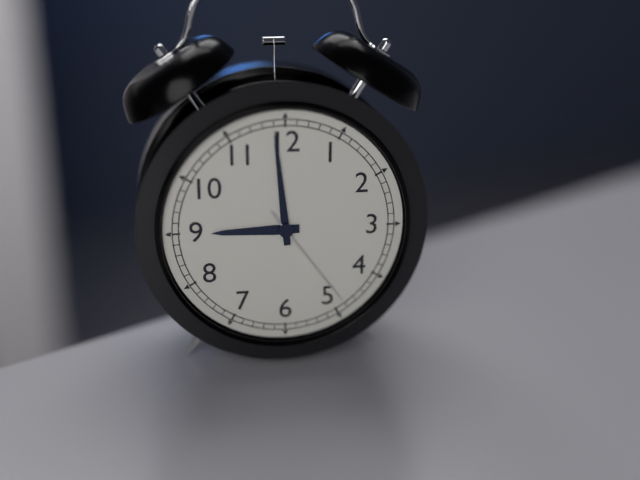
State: 8h59m24s
